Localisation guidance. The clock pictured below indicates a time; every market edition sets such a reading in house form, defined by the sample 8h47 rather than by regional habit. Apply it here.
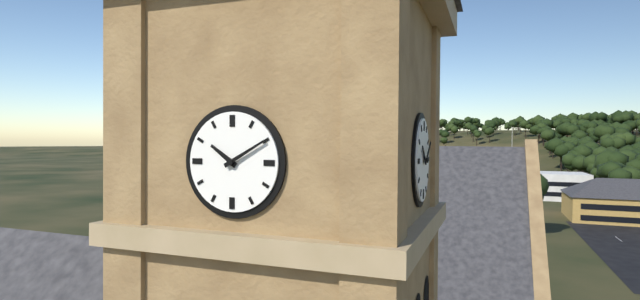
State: 10h10
